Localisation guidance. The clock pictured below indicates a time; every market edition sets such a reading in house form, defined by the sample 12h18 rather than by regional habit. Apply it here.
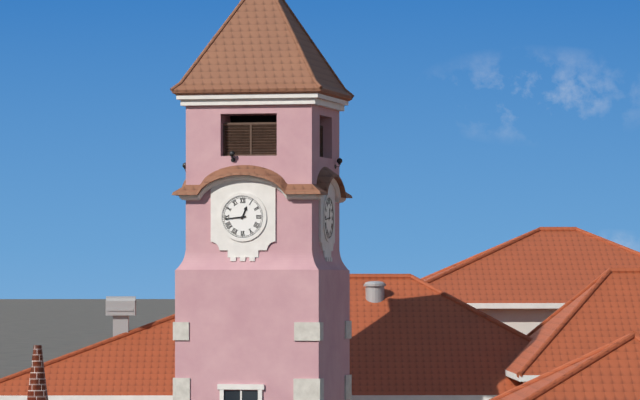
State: 12h44
